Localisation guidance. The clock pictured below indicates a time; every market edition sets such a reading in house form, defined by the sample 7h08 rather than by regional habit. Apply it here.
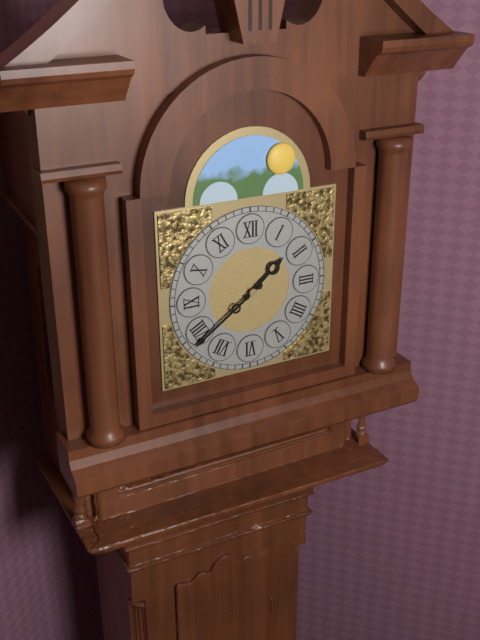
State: 1h39
